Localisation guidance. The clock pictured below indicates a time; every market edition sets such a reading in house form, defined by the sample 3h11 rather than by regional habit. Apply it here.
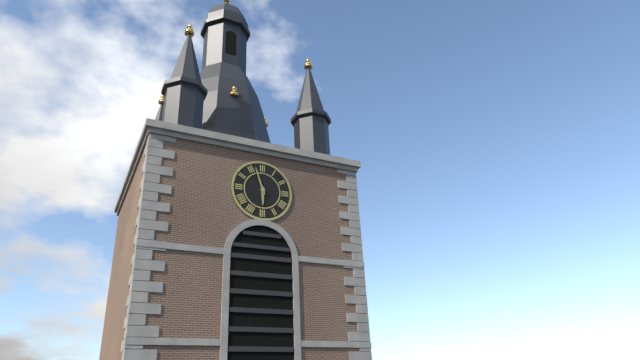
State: 5h57
